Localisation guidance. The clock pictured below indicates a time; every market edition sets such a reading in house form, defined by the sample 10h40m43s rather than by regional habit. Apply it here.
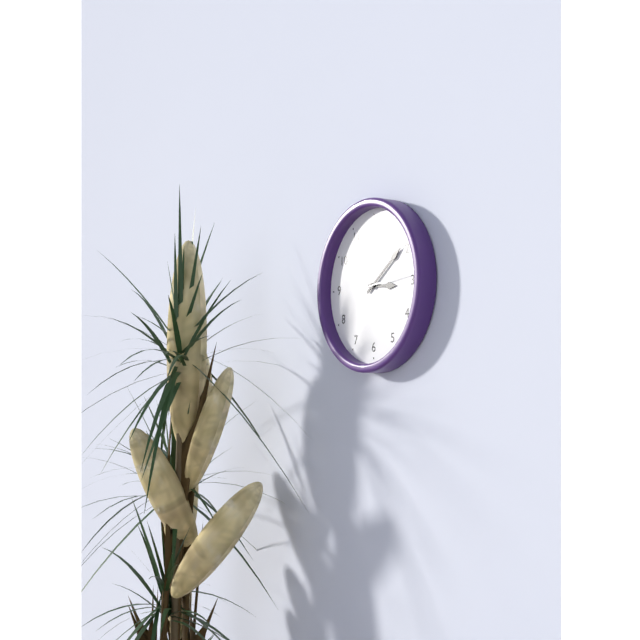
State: 3h09m14s
